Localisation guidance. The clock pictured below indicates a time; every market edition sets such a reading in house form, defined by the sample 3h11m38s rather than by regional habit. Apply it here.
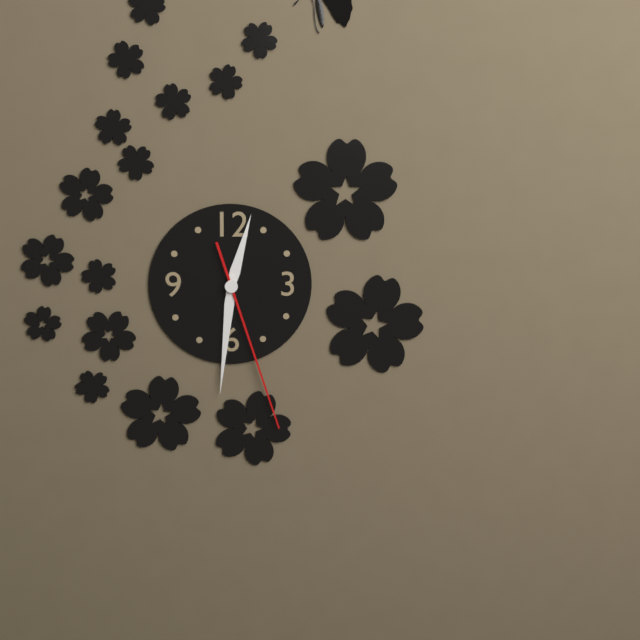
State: 12h31m27s
